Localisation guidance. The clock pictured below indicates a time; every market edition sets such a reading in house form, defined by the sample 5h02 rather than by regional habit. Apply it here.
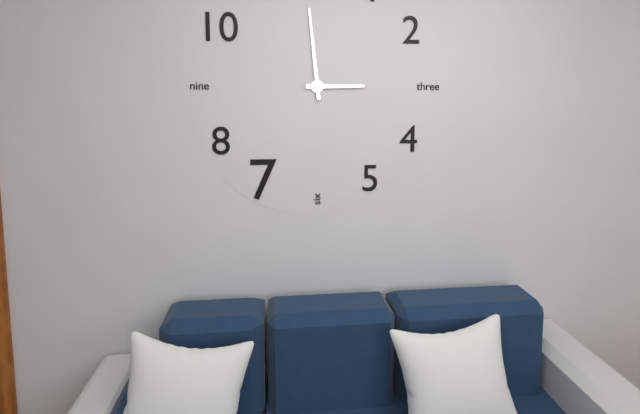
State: 2h59
